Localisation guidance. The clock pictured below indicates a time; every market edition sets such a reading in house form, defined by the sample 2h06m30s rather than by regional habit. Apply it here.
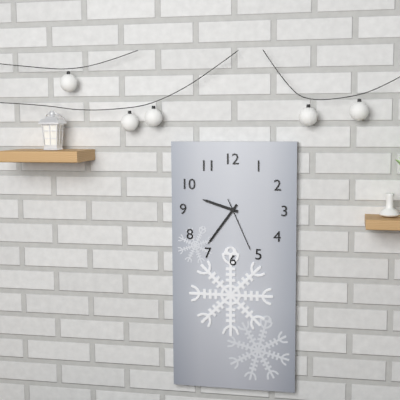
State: 9h36m26s
